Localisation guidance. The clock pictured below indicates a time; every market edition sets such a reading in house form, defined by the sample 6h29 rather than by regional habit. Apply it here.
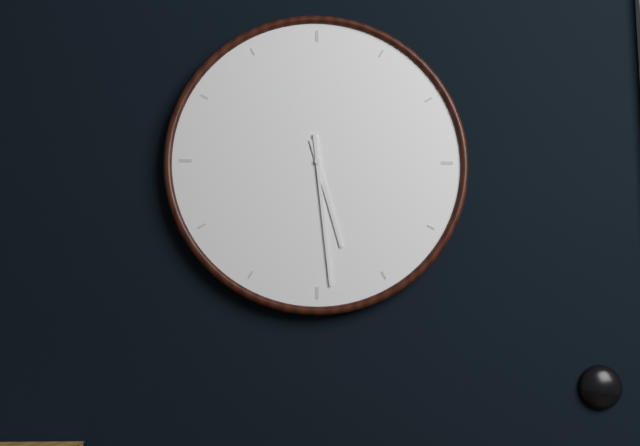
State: 5h29
